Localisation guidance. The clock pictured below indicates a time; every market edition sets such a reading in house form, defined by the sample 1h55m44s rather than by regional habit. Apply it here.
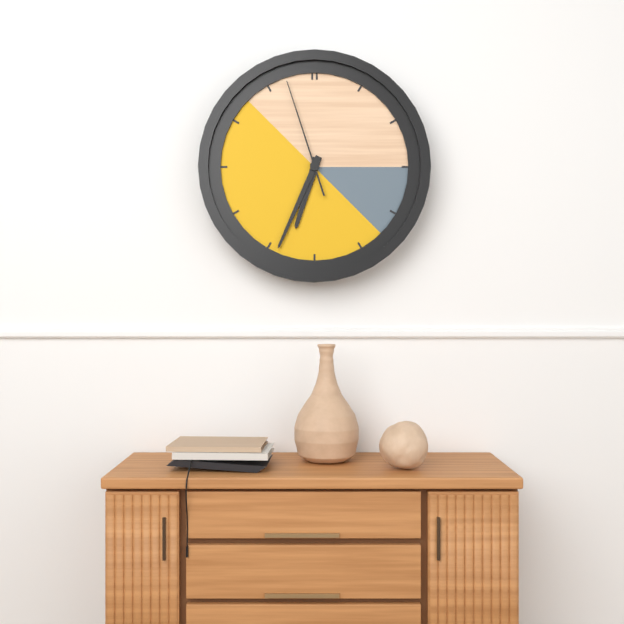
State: 6h34m57s
